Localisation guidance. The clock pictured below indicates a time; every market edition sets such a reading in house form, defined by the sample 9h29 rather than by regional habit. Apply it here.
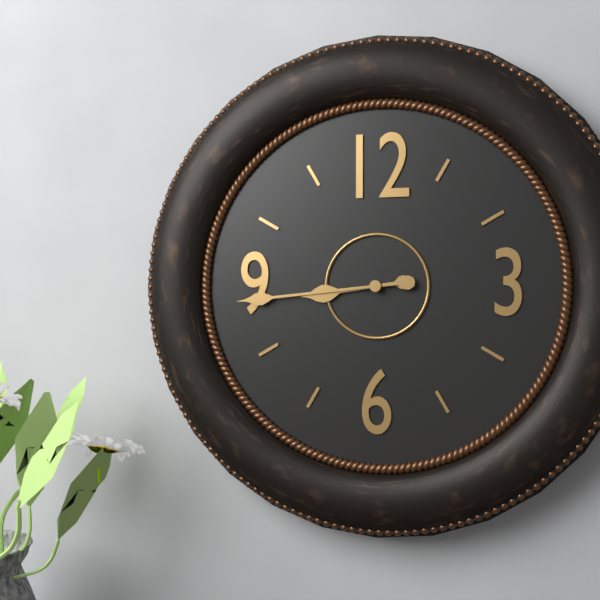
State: 8h44
